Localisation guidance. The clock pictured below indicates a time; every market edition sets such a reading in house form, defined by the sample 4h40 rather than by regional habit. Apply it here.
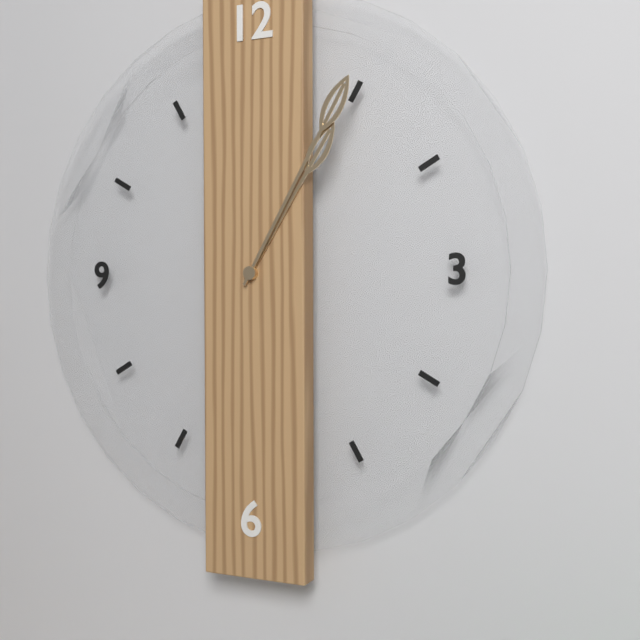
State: 1h05
